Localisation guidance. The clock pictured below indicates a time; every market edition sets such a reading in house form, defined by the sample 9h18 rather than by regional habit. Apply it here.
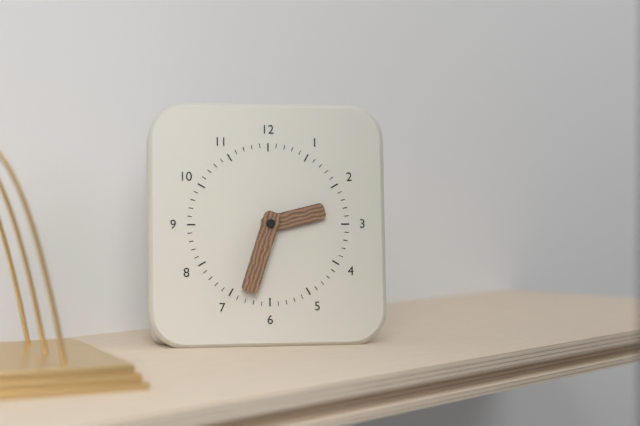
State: 2h33
